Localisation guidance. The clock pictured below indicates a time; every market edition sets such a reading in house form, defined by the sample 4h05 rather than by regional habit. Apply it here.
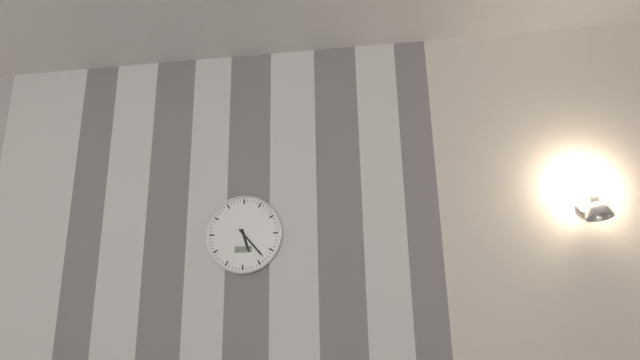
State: 5h23
